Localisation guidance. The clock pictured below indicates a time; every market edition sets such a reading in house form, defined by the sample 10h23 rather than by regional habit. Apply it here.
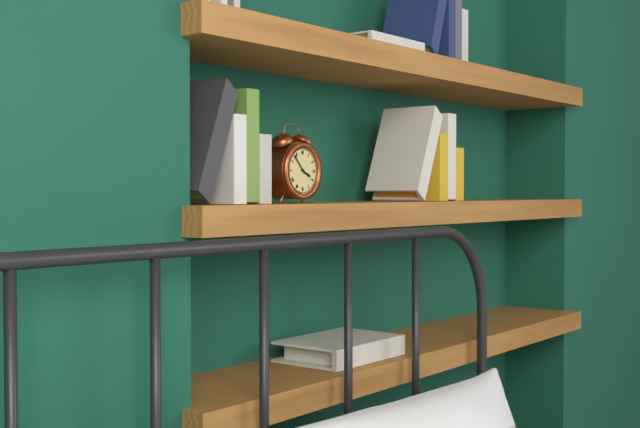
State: 3h53
